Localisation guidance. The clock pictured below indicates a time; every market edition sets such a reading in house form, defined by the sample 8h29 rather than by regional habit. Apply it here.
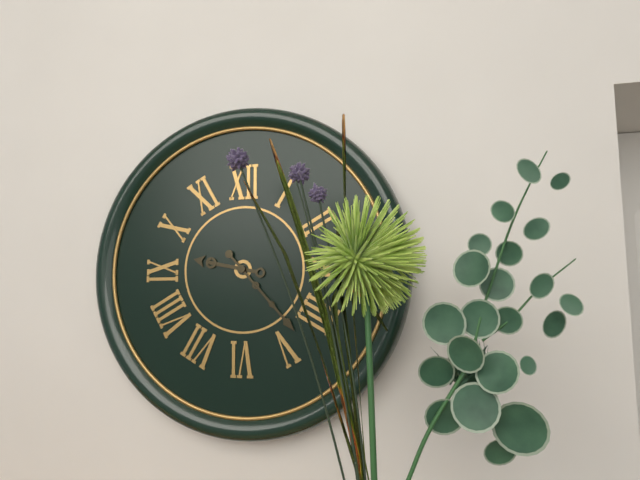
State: 9h23
